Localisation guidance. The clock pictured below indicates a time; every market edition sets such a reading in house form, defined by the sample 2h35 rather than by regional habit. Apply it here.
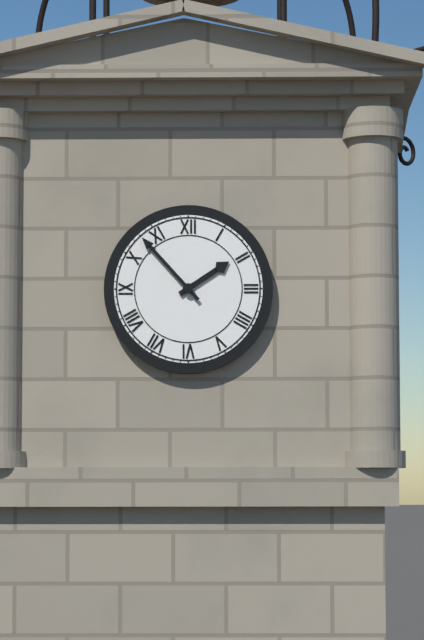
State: 1h53
